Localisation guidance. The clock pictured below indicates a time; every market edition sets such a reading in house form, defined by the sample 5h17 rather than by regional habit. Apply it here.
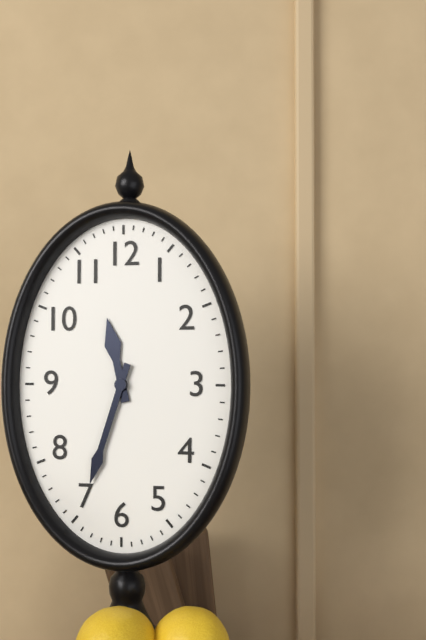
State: 11h33
